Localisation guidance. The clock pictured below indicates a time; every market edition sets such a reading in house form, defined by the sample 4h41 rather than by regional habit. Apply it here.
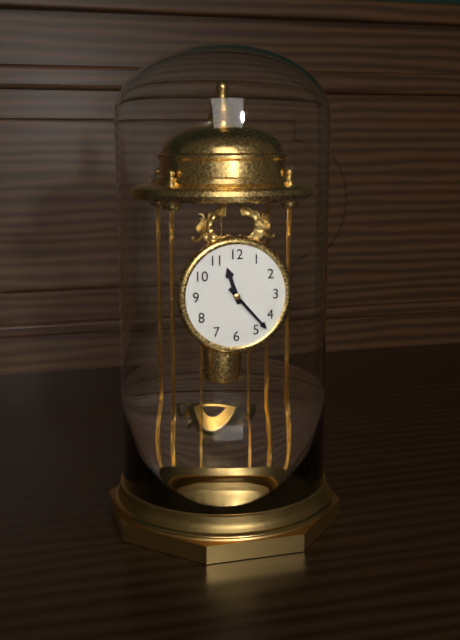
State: 11h23
